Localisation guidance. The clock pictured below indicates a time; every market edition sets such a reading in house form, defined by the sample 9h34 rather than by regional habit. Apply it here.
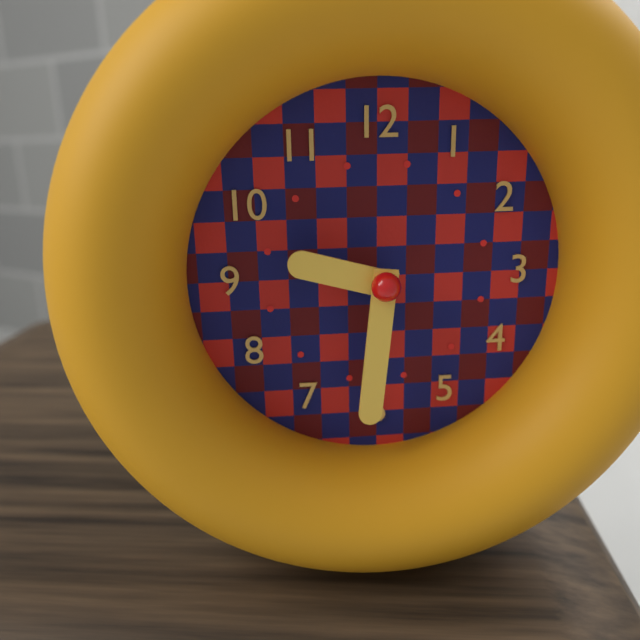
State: 9h31
